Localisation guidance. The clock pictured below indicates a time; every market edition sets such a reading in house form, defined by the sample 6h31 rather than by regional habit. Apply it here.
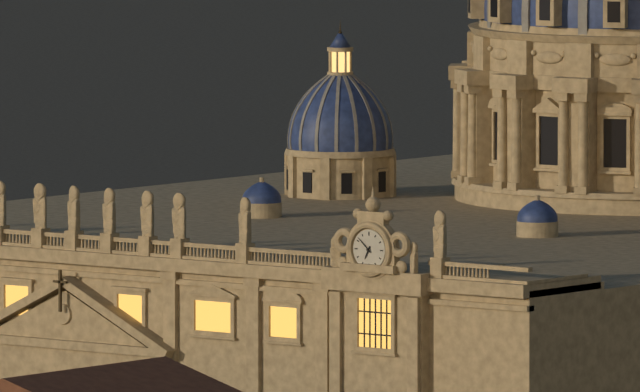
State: 6h52
